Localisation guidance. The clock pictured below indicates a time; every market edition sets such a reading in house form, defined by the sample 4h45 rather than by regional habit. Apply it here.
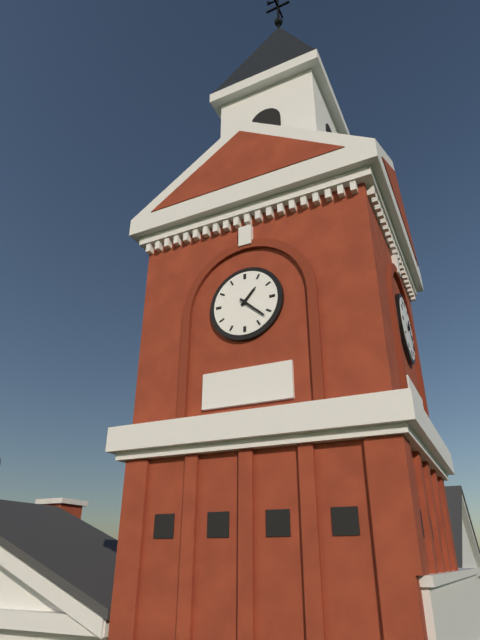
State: 1h22
